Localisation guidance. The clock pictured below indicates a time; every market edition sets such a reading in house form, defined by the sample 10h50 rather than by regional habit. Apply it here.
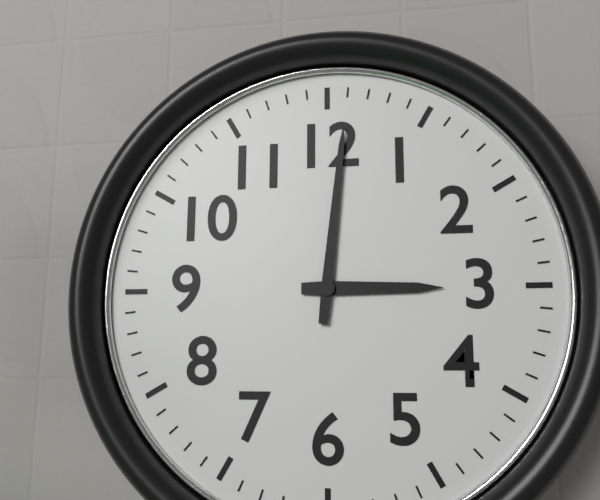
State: 3h01
